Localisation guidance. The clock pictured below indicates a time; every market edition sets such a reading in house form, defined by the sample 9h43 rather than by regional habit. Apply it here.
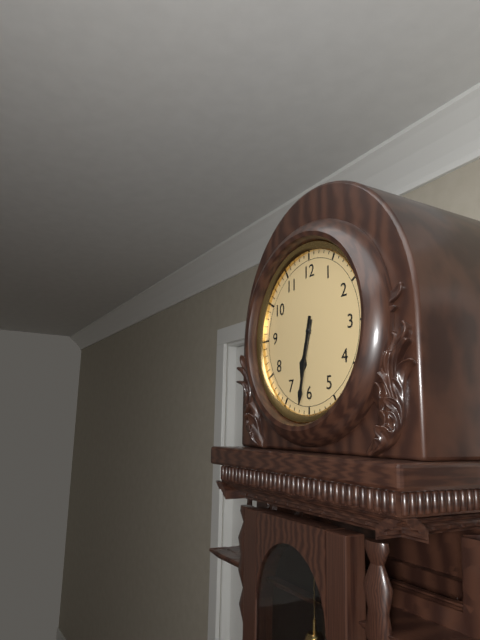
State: 6h32
